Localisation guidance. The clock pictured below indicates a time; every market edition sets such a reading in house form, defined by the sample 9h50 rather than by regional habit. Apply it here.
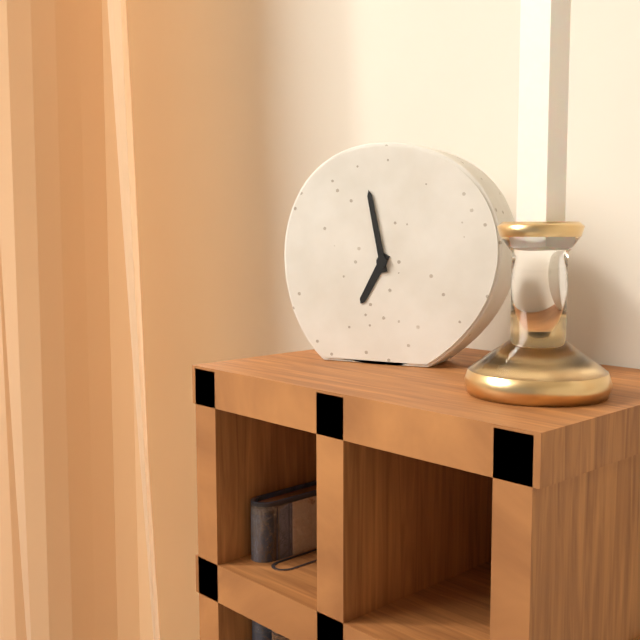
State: 6h58
